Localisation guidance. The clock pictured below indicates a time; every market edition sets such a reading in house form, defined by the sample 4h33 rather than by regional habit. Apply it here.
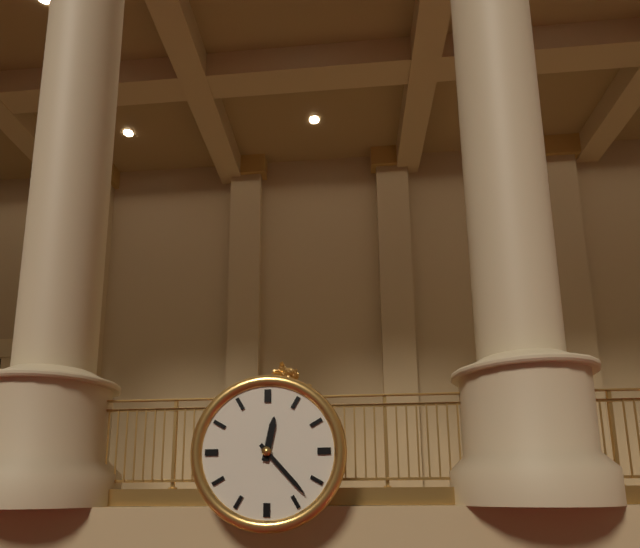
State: 12h23
